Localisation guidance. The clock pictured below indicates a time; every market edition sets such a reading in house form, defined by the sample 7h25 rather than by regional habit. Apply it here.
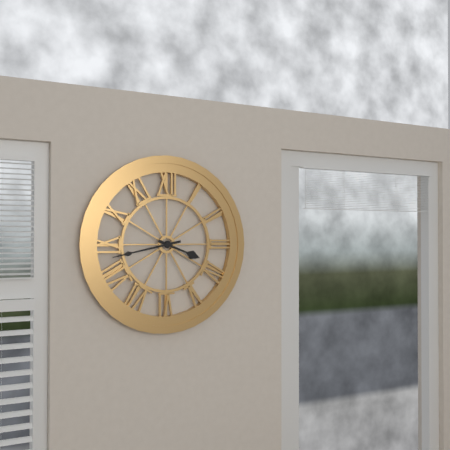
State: 3h43
